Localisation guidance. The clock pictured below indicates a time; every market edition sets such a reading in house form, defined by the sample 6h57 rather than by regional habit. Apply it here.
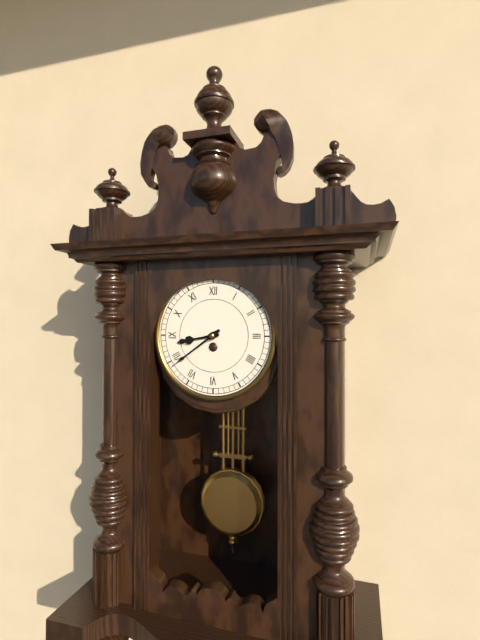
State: 8h39
